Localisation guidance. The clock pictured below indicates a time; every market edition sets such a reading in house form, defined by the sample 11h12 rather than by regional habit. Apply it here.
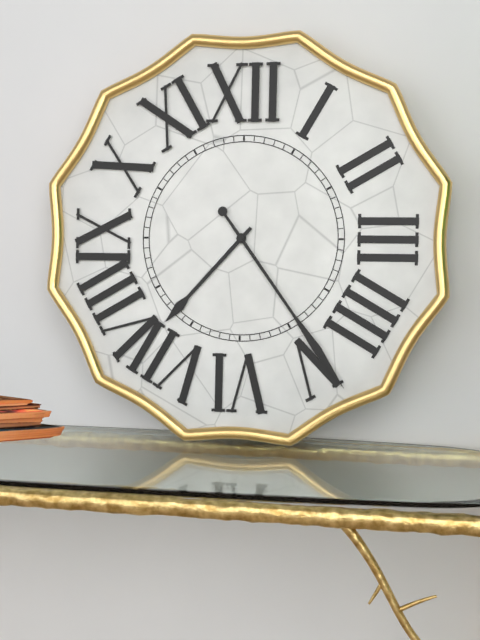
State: 7h24
